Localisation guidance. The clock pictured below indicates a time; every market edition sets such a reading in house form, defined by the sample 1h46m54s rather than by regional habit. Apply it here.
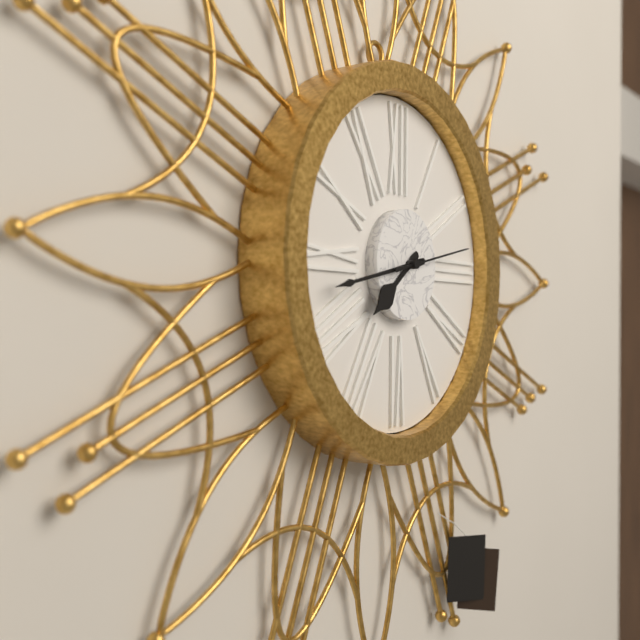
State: 7h43m13s
